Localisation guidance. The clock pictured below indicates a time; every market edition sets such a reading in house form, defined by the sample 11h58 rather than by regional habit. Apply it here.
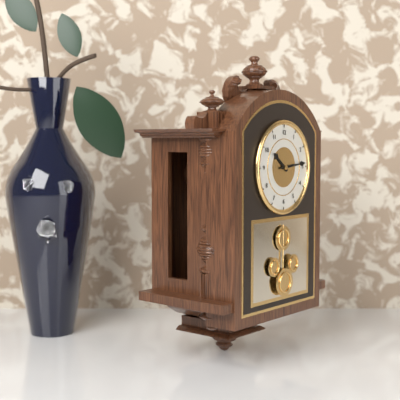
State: 10h14
